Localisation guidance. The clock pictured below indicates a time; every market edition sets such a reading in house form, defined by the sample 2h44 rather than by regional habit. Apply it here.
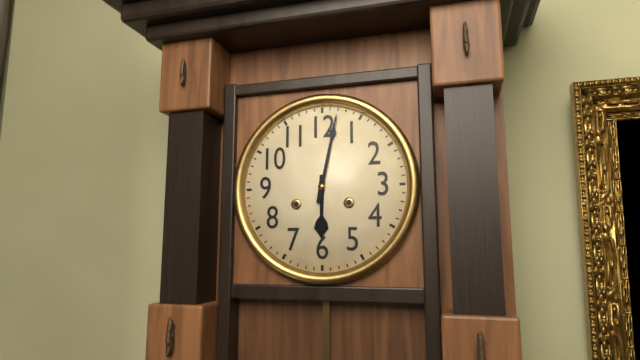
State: 6h02
